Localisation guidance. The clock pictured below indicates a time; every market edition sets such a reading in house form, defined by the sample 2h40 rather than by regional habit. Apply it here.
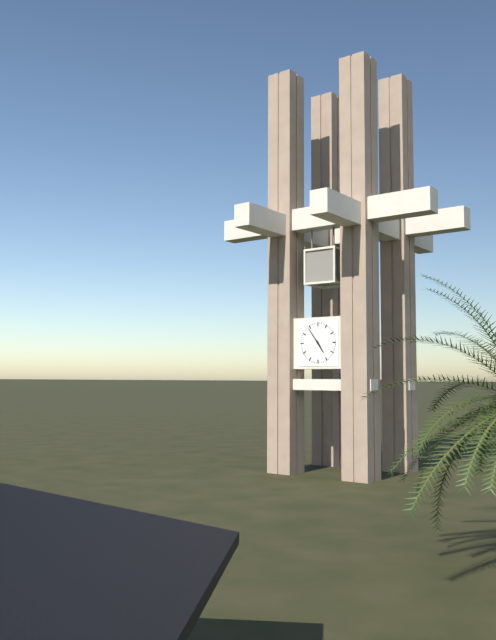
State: 4h54
